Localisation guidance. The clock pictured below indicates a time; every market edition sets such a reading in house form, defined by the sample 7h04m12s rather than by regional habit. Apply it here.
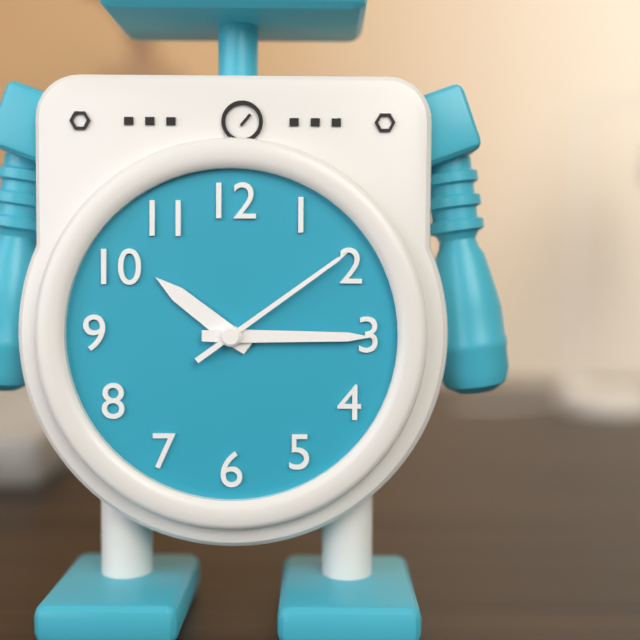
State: 10h15m09s
